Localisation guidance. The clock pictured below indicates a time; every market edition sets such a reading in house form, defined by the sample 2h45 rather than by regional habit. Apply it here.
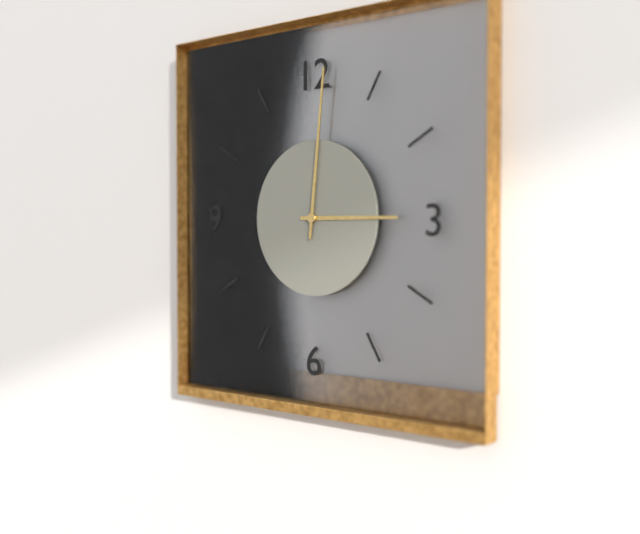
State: 3h01
